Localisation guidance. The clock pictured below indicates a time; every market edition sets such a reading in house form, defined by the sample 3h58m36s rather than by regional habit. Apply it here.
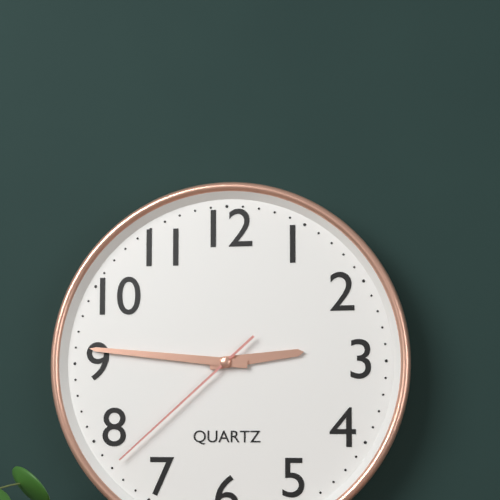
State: 2h46m38s
